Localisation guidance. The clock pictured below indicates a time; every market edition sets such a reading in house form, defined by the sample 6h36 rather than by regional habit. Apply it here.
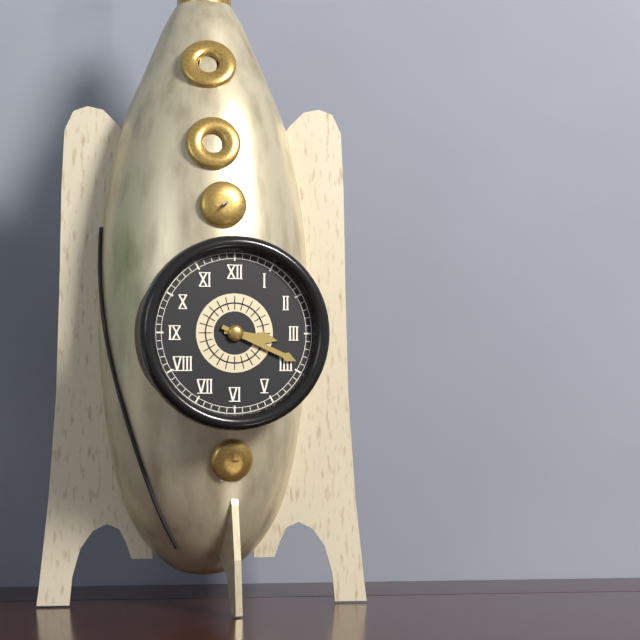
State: 3h19
